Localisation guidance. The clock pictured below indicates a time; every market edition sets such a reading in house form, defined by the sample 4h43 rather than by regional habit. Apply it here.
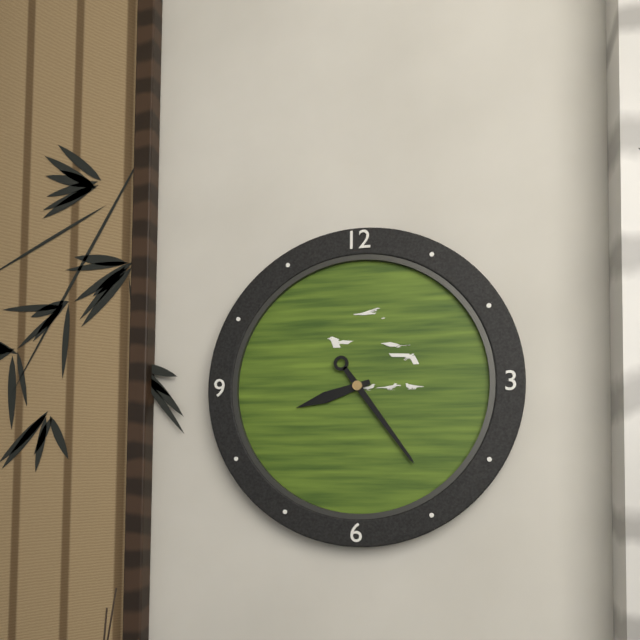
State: 8h24
